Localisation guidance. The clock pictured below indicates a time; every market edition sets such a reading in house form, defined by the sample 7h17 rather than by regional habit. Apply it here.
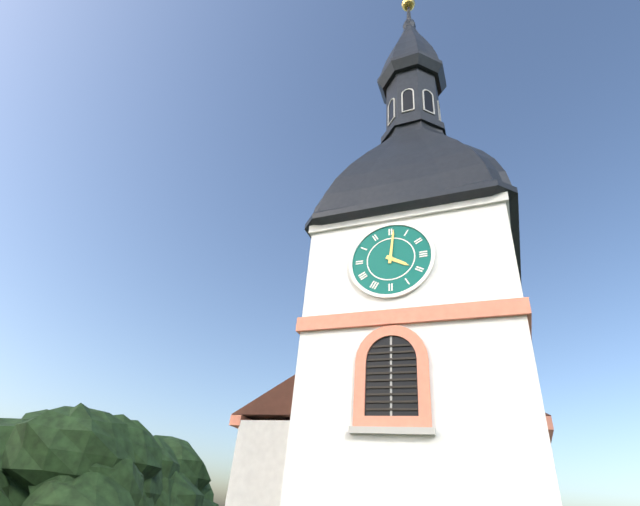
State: 4h01
